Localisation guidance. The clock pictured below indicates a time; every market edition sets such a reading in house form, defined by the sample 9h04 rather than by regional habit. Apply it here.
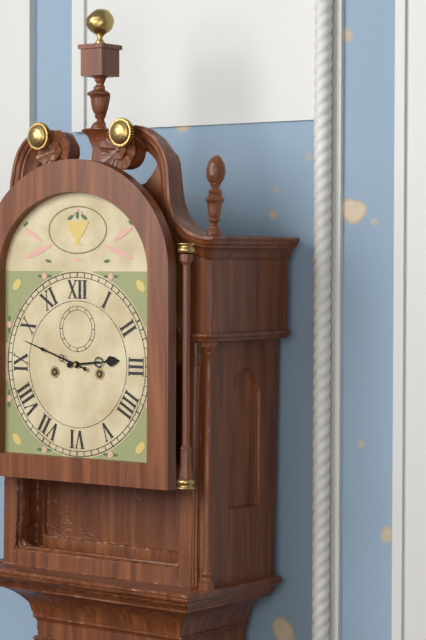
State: 2h48
